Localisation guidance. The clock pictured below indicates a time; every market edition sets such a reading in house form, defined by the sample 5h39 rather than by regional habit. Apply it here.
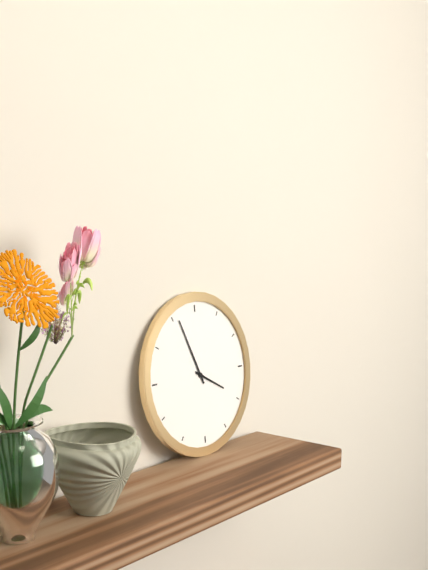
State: 3h56
